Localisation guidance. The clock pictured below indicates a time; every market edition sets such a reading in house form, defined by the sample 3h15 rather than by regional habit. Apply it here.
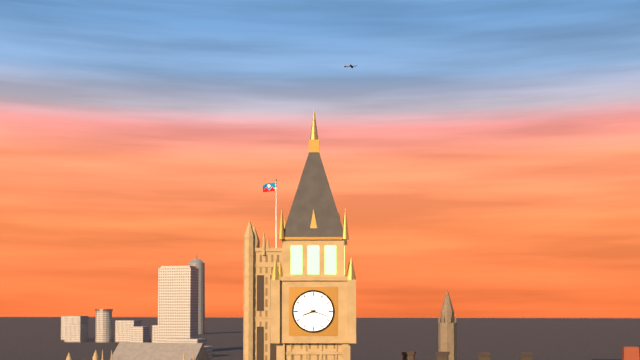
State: 8h18
